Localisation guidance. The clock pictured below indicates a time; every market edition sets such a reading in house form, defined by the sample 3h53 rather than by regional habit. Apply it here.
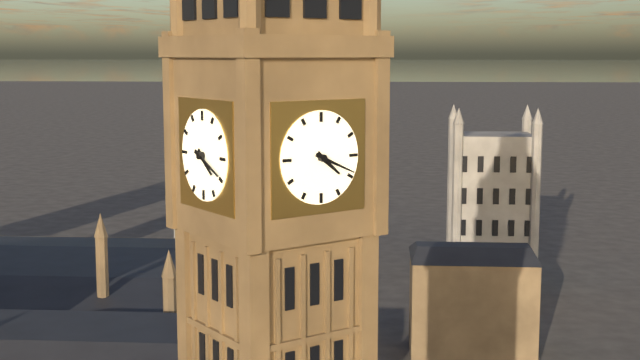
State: 4h19
